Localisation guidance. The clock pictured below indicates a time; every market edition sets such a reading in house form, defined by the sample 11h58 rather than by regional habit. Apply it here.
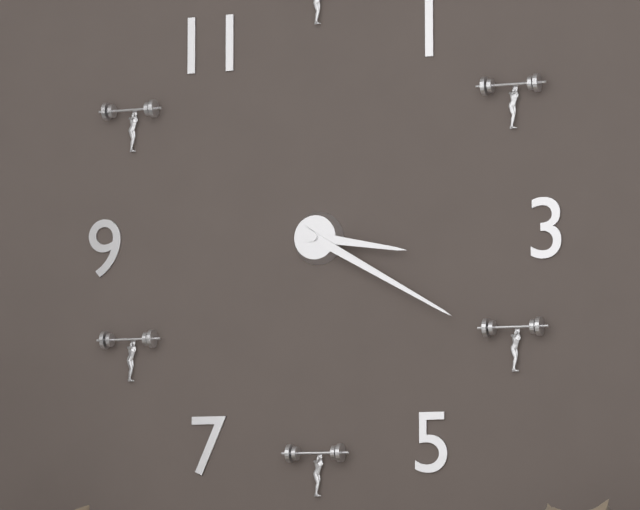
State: 3h20
